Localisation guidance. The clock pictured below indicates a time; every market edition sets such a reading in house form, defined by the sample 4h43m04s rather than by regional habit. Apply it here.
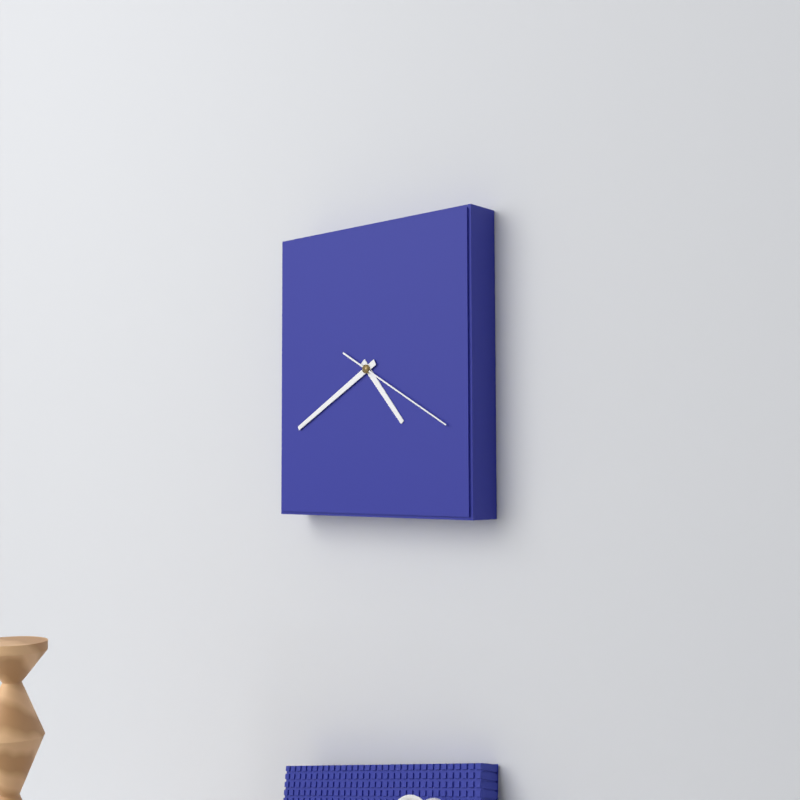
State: 4h40m20s
